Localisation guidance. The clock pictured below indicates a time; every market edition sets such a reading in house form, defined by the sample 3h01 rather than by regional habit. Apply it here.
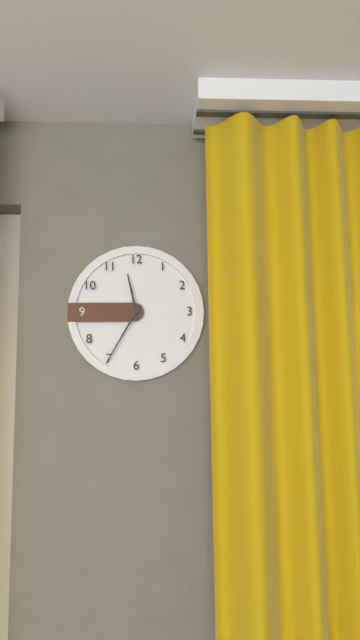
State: 11h35
